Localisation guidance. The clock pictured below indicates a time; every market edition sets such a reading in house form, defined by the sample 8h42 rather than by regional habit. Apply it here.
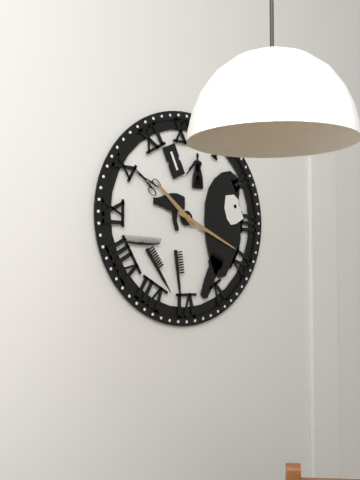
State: 10h19
